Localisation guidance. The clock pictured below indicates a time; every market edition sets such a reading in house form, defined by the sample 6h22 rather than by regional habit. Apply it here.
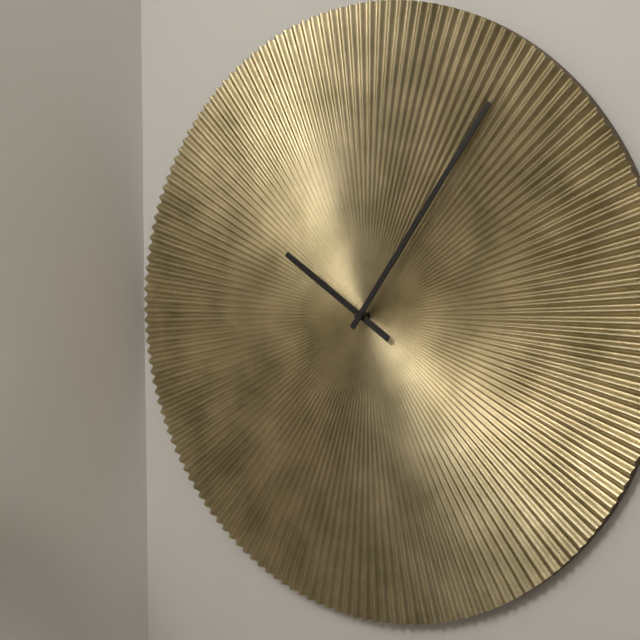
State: 10h06
